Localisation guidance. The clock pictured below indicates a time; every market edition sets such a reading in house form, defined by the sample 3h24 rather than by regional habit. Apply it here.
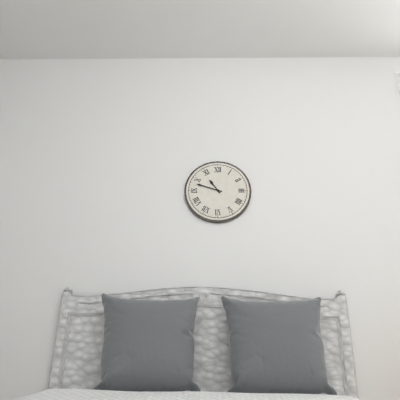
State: 10h48
